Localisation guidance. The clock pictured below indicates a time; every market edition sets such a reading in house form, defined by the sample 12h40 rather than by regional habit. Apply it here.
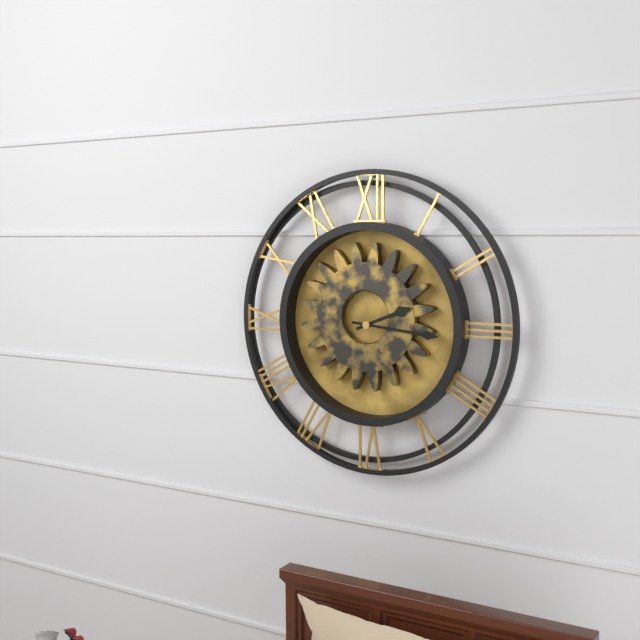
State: 2h16
